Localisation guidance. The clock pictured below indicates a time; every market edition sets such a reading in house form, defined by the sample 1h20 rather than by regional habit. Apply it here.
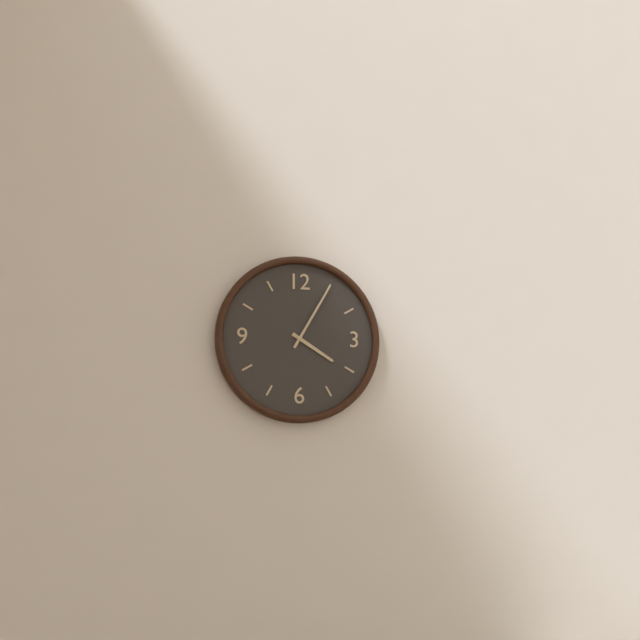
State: 4h05
